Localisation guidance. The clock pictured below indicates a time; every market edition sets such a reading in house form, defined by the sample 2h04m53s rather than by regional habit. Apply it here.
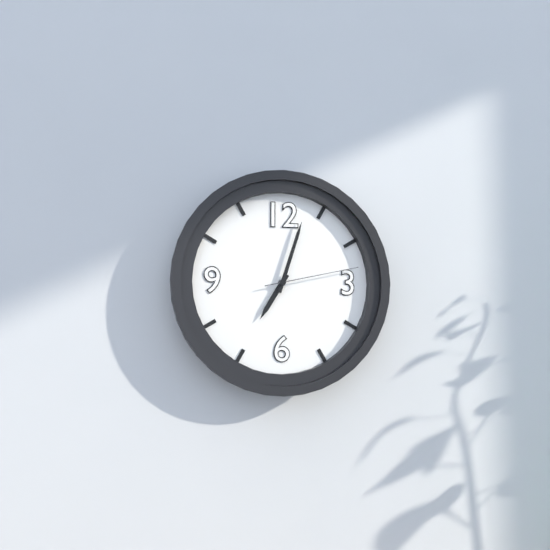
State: 7h03m13s
